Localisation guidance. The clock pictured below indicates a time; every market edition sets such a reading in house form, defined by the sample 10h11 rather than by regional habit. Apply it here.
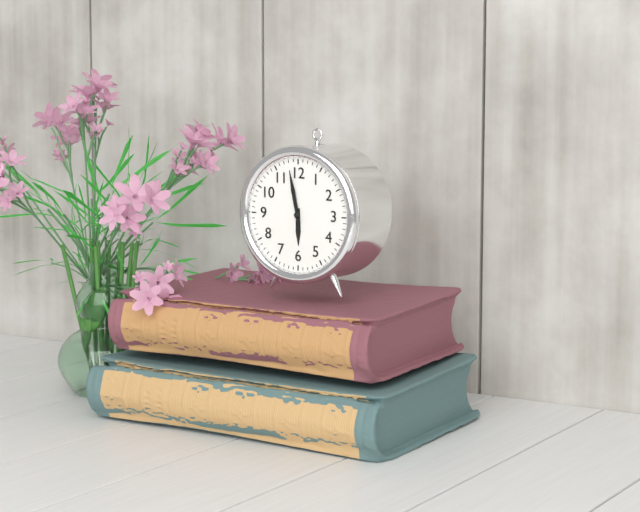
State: 5h58
